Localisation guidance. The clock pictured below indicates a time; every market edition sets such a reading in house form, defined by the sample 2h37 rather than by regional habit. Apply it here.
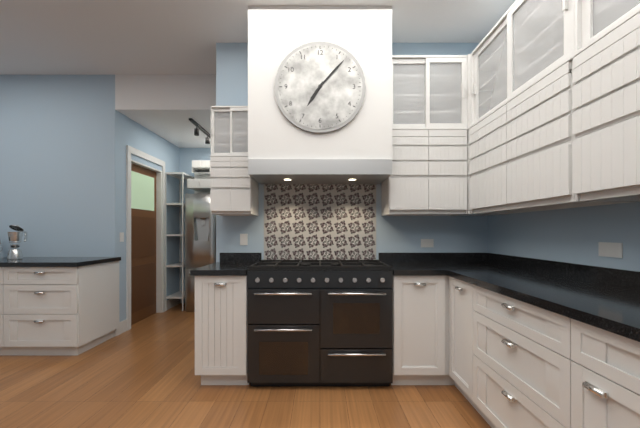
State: 7h07
